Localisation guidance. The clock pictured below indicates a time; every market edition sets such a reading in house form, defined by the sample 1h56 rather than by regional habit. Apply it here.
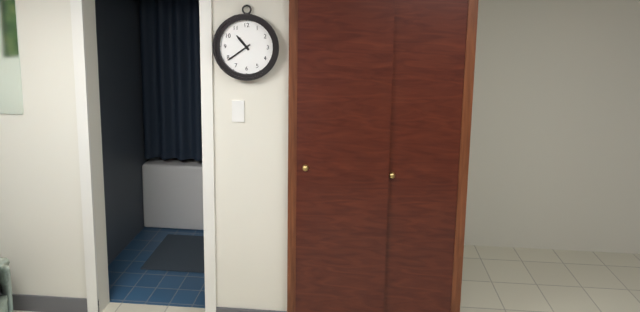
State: 10h39
